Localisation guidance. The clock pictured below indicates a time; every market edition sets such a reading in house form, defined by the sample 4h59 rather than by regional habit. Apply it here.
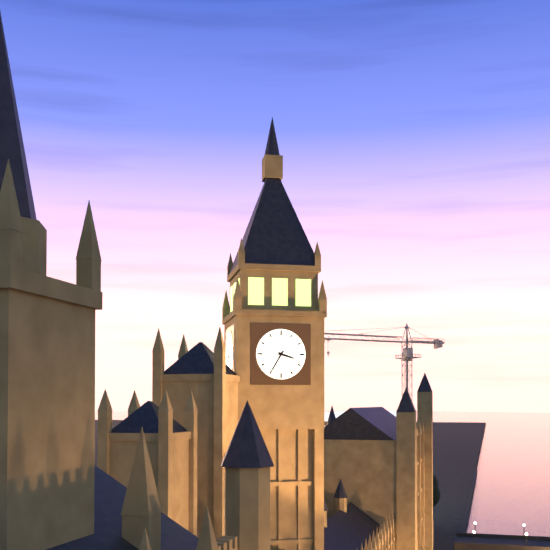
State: 3h35
